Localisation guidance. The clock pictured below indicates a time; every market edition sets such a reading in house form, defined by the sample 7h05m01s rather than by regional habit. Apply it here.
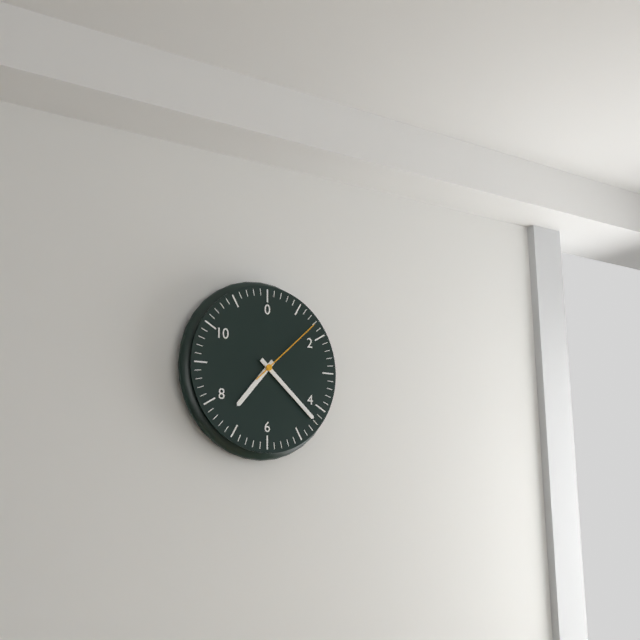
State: 7h22m08s
